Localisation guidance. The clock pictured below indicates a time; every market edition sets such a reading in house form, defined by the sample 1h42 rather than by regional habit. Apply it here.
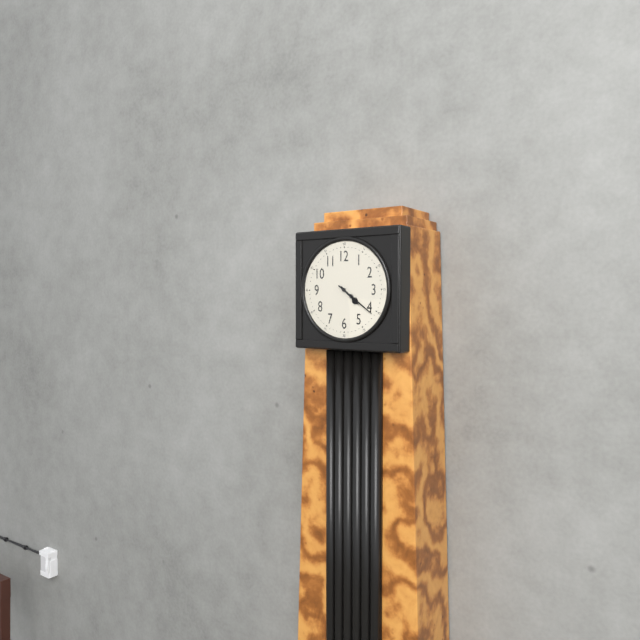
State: 4h21
